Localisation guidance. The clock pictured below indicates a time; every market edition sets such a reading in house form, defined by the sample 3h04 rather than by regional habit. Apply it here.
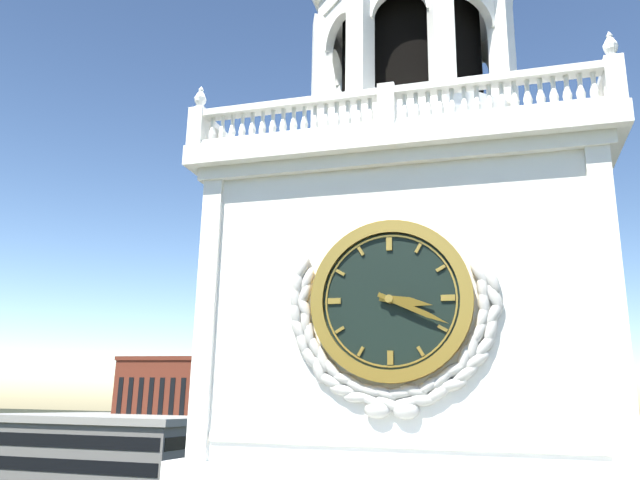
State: 3h19
